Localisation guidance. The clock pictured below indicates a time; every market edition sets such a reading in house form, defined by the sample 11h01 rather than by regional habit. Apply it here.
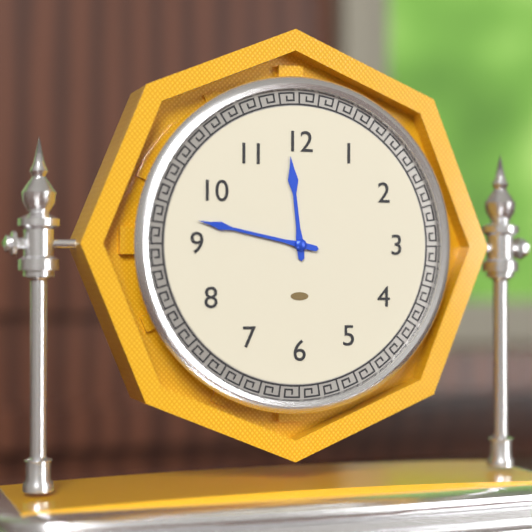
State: 11h47
